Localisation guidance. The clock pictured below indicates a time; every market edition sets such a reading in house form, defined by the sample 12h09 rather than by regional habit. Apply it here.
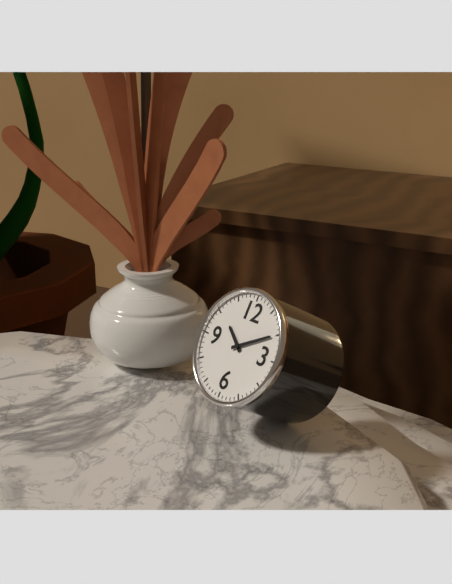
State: 10h10
